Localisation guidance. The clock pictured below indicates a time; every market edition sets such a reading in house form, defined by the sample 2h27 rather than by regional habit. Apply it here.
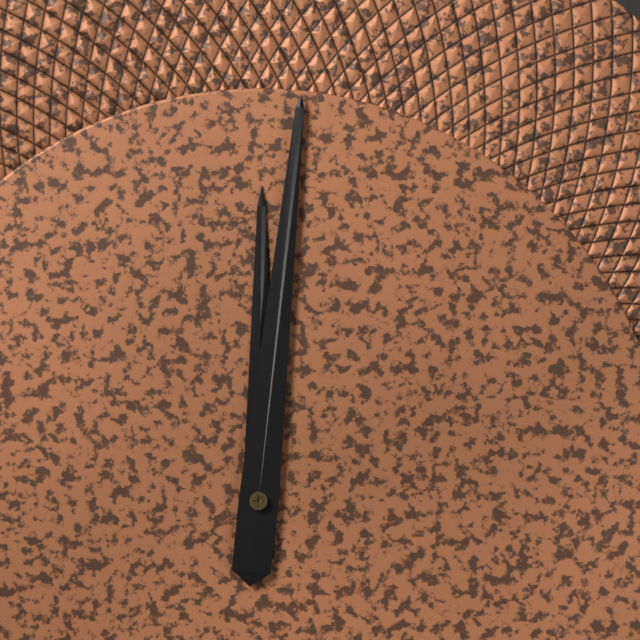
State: 12h01
